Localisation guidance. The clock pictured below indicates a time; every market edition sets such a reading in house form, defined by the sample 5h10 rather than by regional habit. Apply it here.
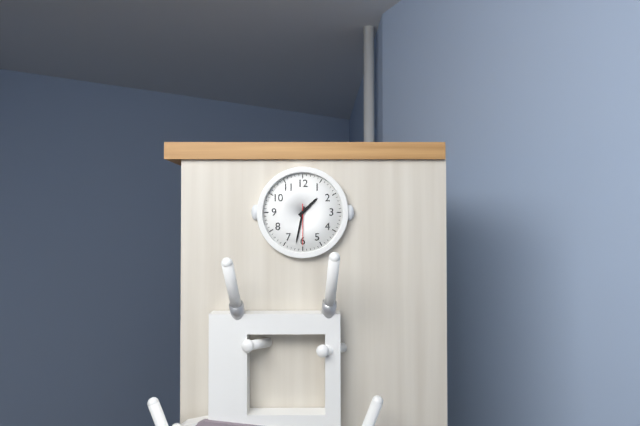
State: 1h32
